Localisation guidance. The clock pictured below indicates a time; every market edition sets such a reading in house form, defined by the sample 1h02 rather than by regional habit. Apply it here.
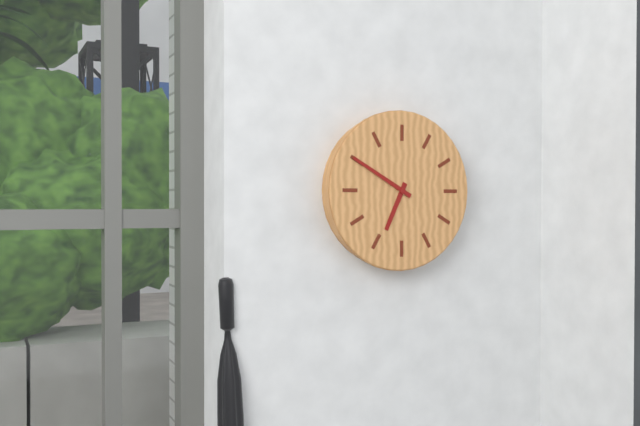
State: 6h50
